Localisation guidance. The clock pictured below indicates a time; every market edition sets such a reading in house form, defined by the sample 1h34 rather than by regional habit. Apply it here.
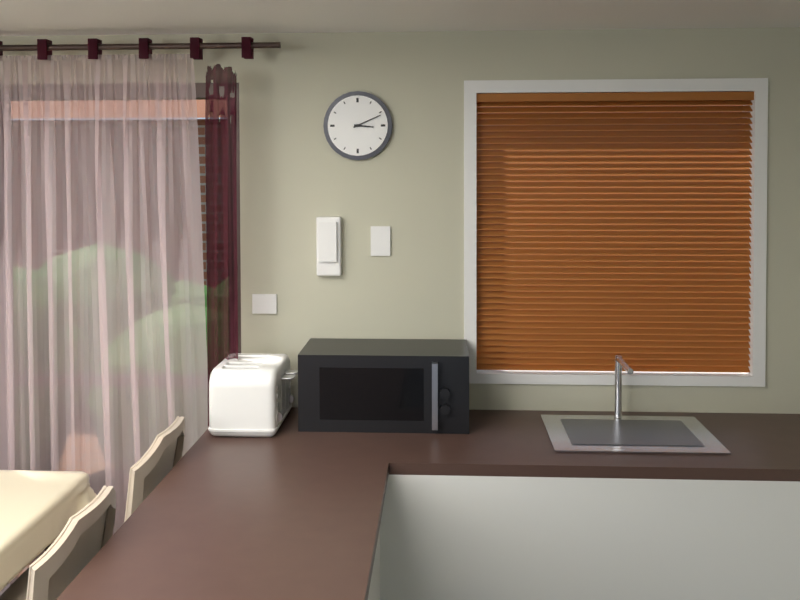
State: 3h11
